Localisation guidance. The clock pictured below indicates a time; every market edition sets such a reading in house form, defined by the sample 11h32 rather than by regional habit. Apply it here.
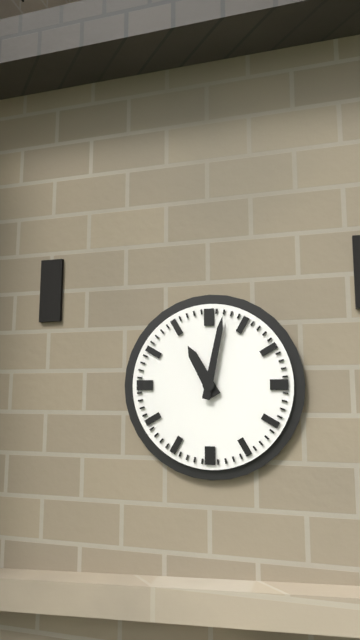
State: 11h02
